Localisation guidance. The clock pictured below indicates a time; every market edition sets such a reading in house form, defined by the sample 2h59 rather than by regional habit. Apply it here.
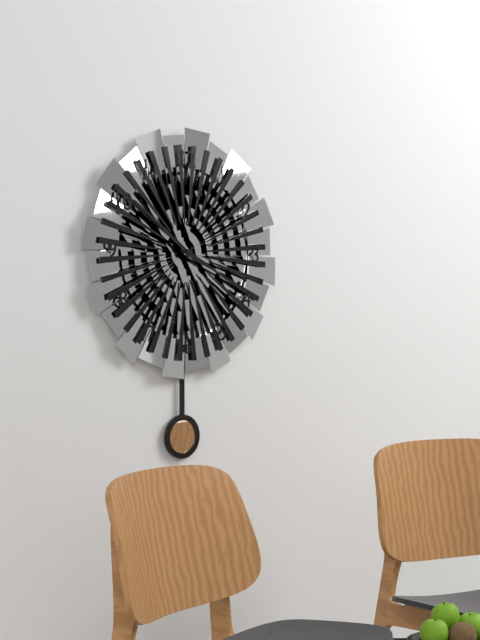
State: 3h51
